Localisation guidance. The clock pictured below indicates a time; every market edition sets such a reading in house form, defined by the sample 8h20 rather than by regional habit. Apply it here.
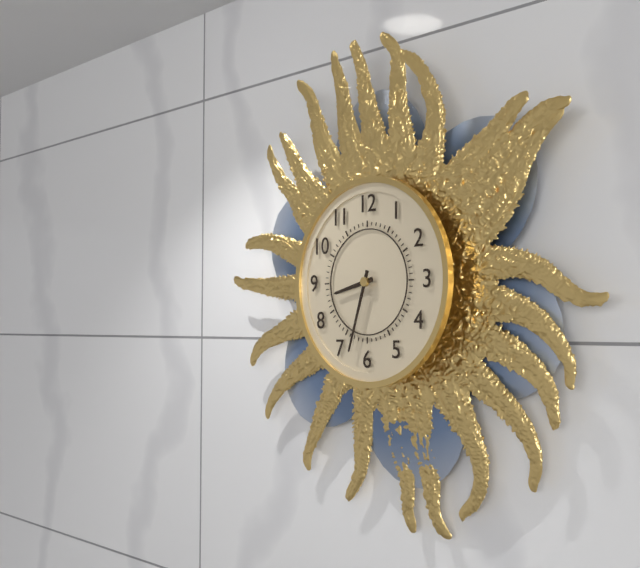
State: 8h33
